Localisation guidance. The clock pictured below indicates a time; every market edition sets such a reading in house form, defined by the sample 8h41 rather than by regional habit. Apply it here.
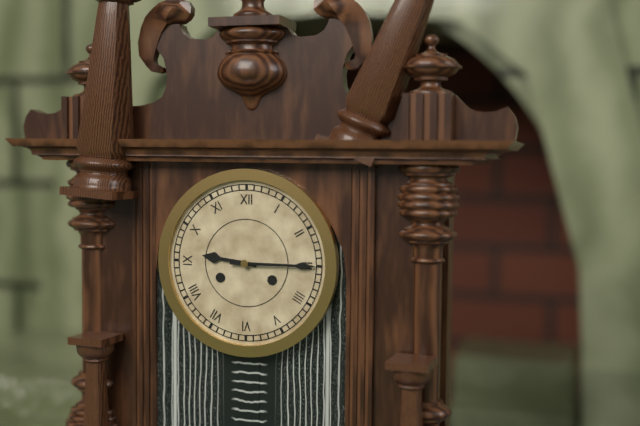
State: 9h15
